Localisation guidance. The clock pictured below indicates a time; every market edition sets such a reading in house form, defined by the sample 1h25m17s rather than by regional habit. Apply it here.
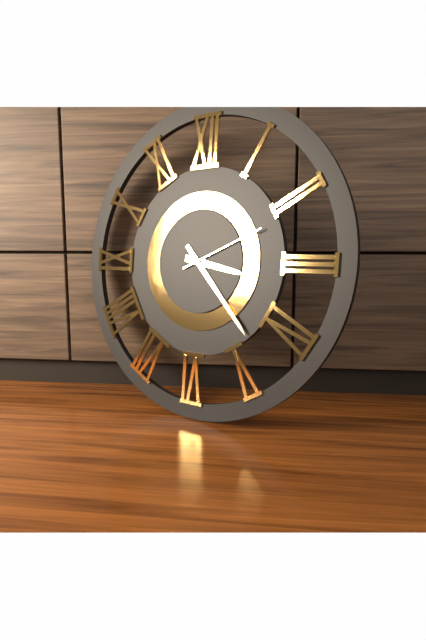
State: 3h23m11s
